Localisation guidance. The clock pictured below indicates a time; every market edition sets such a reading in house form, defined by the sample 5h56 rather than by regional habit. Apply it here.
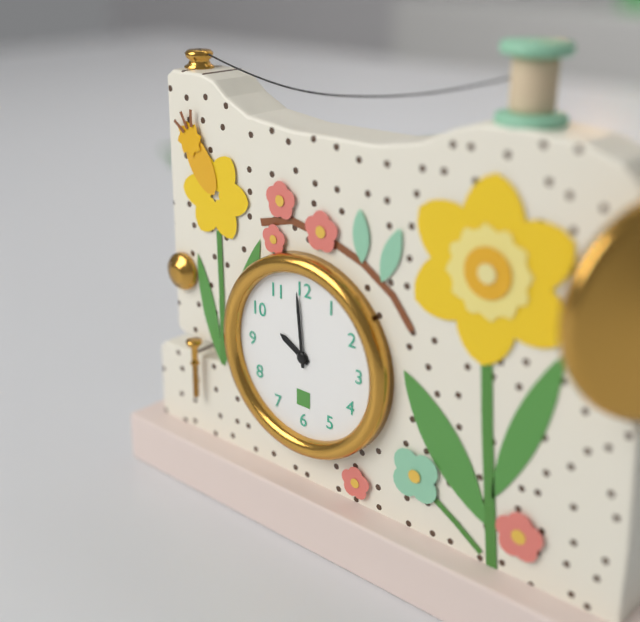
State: 9h59
